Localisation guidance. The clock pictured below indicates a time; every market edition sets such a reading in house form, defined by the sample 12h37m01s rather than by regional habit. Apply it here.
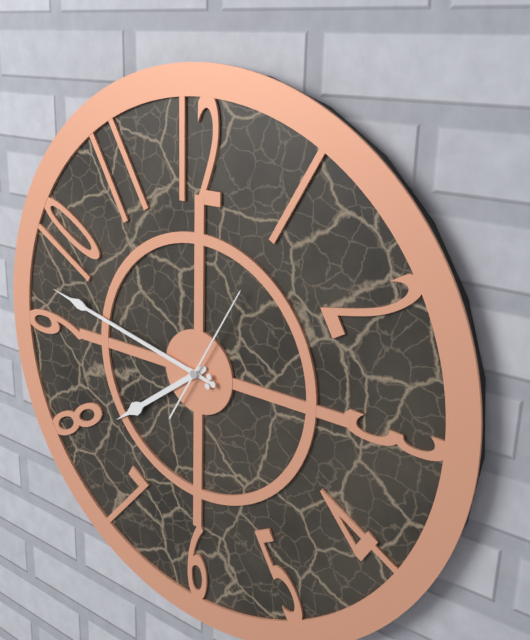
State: 7h47m05s
